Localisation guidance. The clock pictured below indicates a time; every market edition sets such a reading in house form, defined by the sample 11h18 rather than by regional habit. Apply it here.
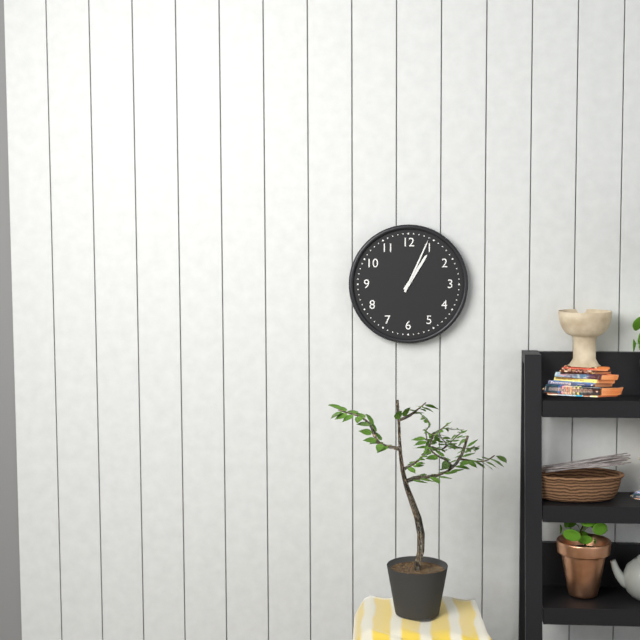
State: 1h04
